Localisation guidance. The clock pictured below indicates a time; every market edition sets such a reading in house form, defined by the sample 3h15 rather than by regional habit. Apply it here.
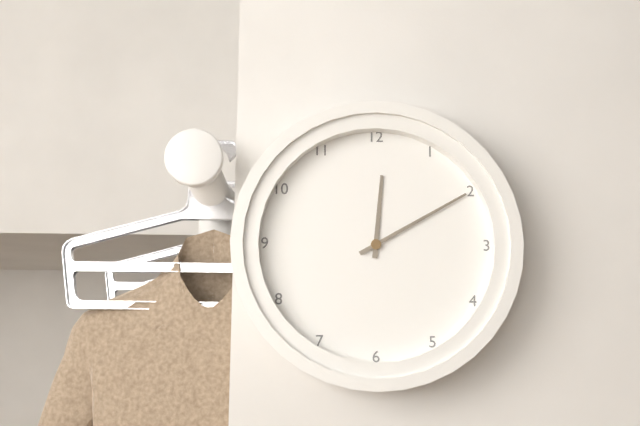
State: 12h10
